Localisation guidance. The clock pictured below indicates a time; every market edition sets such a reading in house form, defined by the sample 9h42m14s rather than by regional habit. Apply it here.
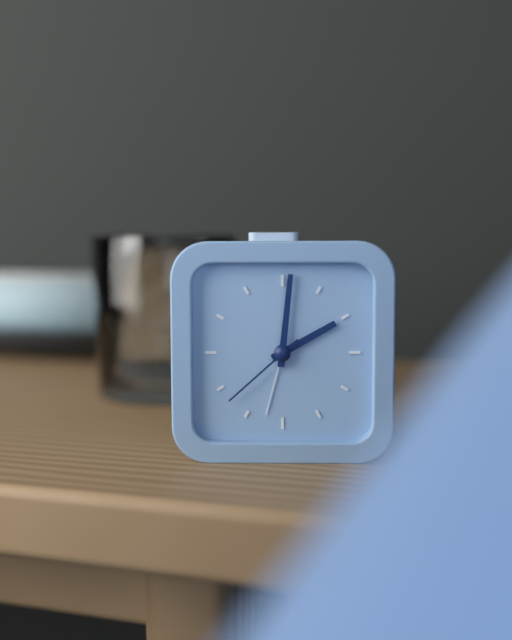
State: 2h01m38s
